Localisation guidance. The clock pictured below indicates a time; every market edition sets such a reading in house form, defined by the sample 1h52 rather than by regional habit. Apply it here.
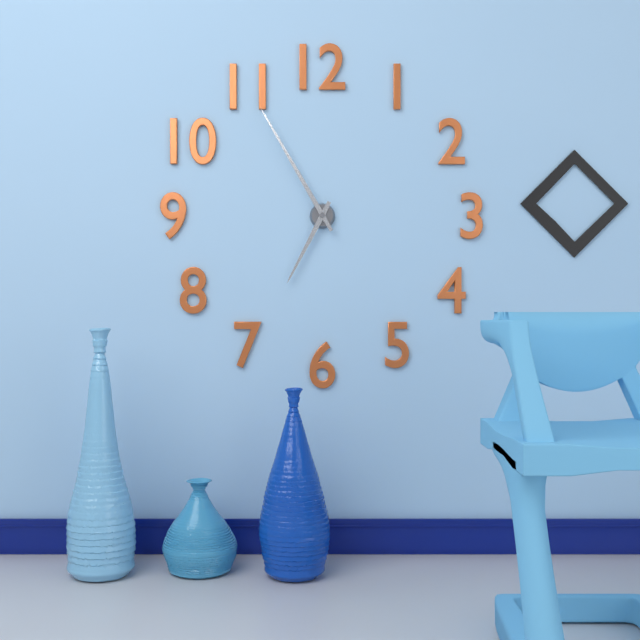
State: 6h55
